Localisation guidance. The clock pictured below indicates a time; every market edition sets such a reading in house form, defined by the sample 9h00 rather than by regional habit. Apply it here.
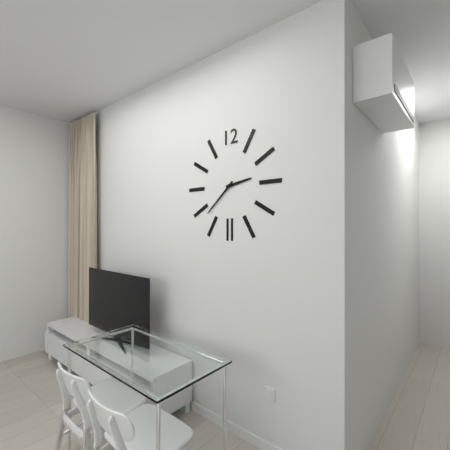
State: 2h38
